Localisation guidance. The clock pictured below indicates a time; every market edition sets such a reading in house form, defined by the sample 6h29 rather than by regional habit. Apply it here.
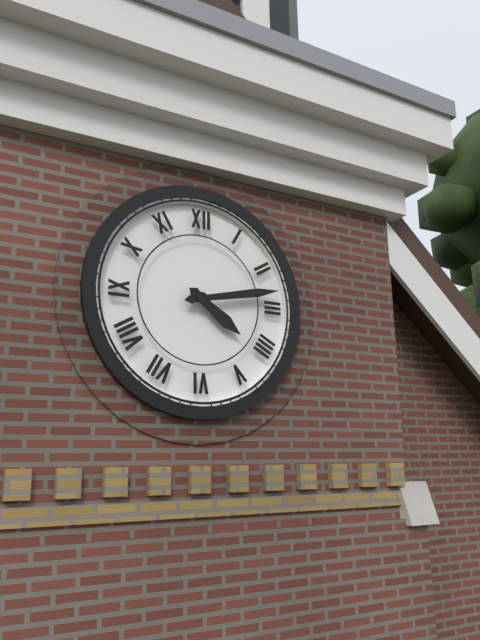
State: 4h13
